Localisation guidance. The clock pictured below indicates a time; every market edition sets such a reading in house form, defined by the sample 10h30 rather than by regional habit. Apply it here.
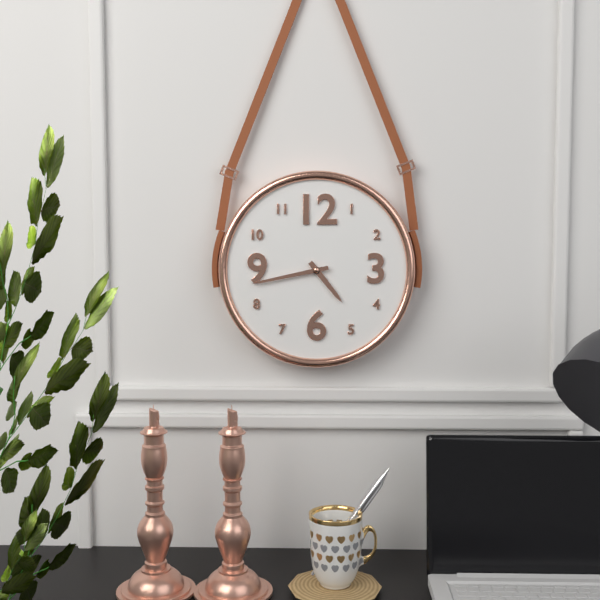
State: 4h43
